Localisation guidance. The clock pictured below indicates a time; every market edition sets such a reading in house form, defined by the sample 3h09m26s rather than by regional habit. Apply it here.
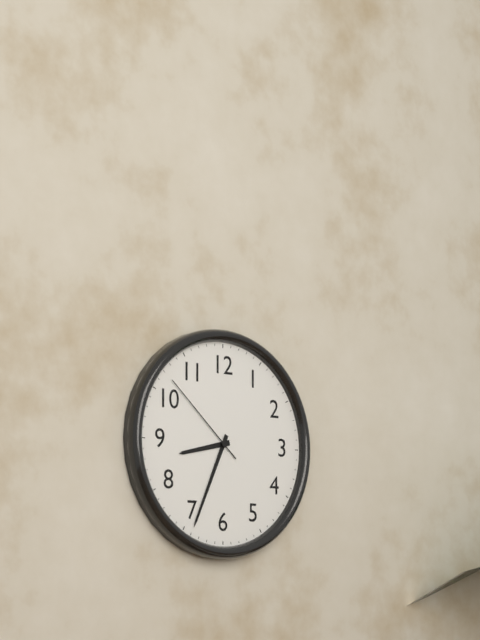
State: 8h34m52s
